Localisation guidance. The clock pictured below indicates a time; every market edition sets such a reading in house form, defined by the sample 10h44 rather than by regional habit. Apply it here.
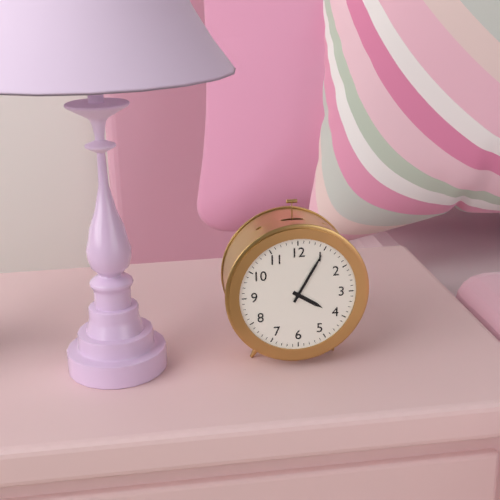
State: 4h05
